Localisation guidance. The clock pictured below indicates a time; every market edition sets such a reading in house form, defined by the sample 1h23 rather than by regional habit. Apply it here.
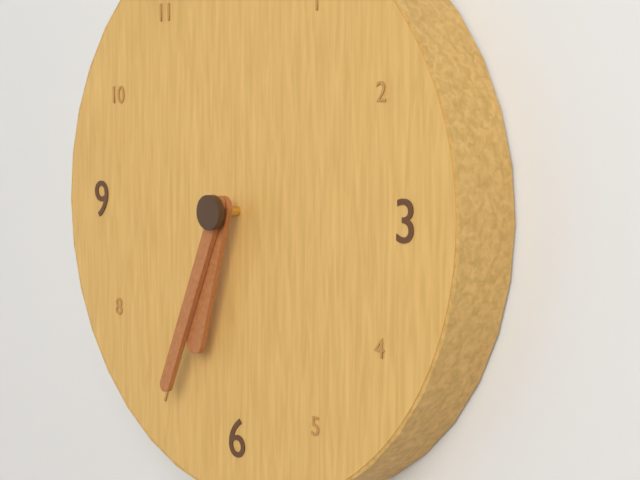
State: 6h34
